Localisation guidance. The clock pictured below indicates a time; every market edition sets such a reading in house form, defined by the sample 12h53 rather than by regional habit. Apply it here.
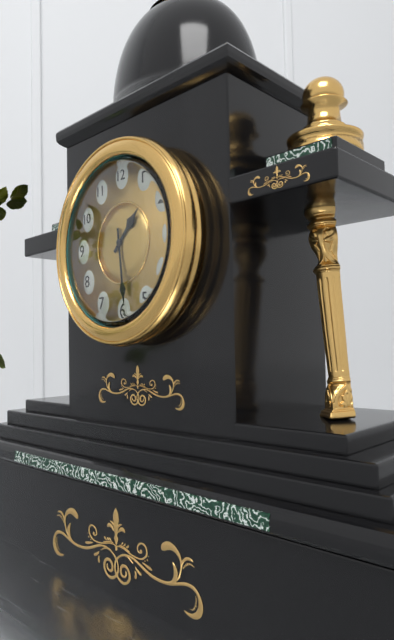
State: 1h29
